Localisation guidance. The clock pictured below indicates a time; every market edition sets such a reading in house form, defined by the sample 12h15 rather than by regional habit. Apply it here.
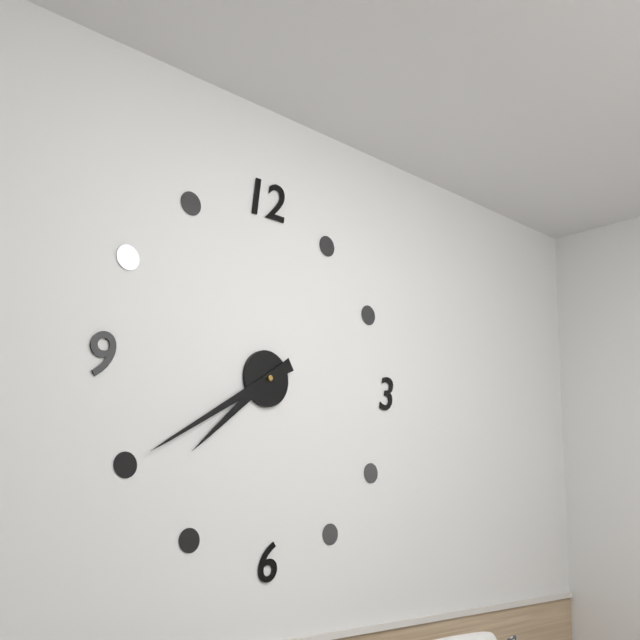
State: 7h40
